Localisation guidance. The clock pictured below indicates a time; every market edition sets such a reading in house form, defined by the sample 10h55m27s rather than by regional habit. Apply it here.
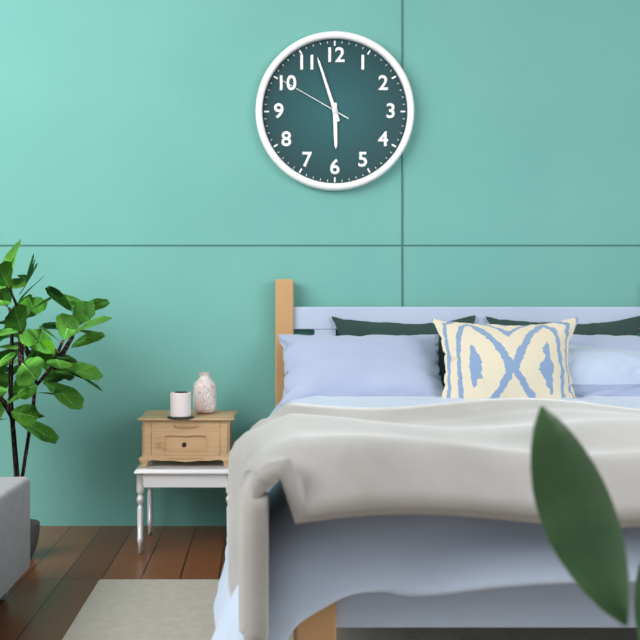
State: 5h57m50s
